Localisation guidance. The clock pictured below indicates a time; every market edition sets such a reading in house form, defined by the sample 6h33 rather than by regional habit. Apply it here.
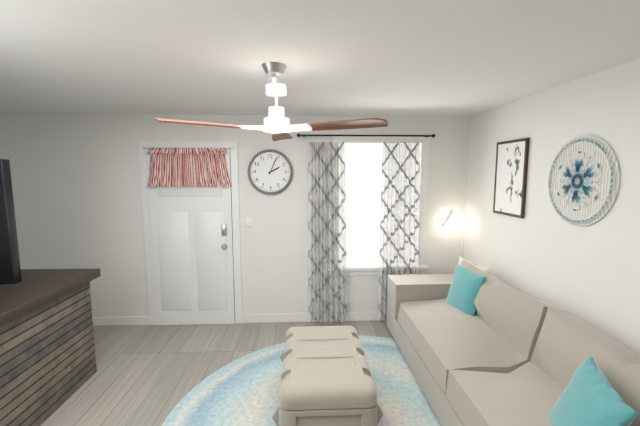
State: 2h04
